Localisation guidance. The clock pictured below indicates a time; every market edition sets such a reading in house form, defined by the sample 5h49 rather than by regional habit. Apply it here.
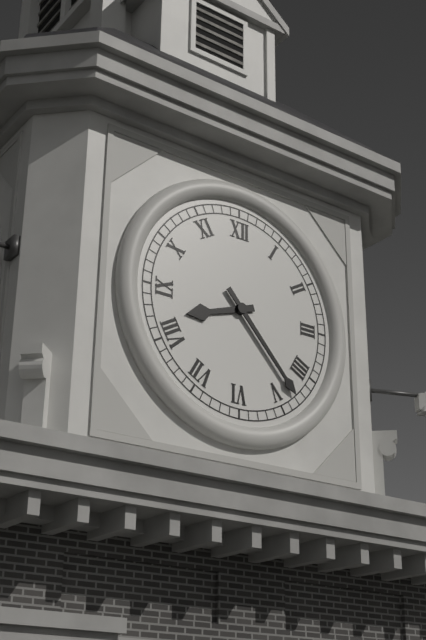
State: 8h23
